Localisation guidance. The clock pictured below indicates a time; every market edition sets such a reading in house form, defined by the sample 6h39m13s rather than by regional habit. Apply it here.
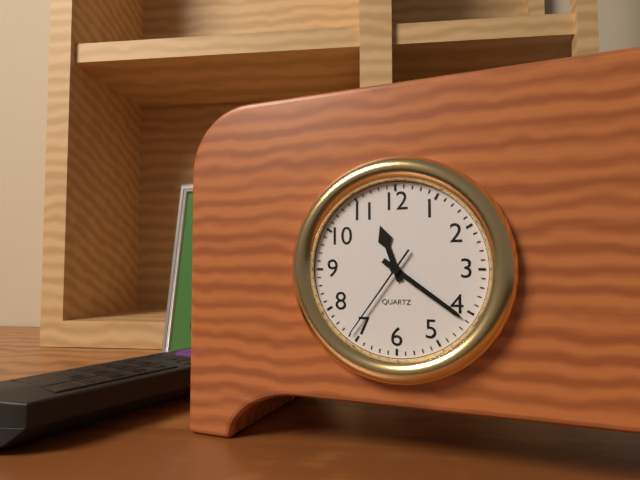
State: 11h21m36s
